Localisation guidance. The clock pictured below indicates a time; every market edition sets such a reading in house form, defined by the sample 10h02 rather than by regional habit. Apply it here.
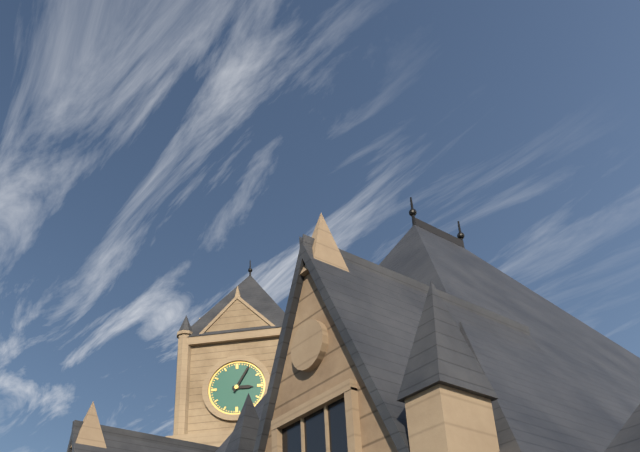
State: 3h05
